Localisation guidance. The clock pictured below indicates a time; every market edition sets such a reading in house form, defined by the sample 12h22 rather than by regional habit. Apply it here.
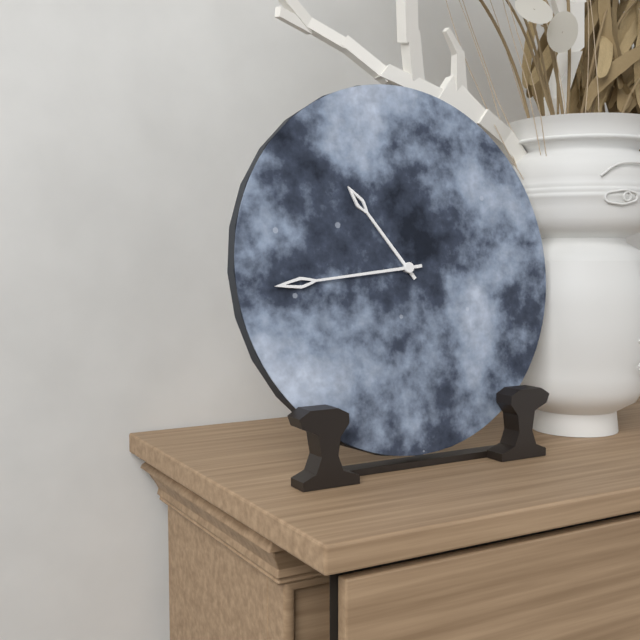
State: 10h44
